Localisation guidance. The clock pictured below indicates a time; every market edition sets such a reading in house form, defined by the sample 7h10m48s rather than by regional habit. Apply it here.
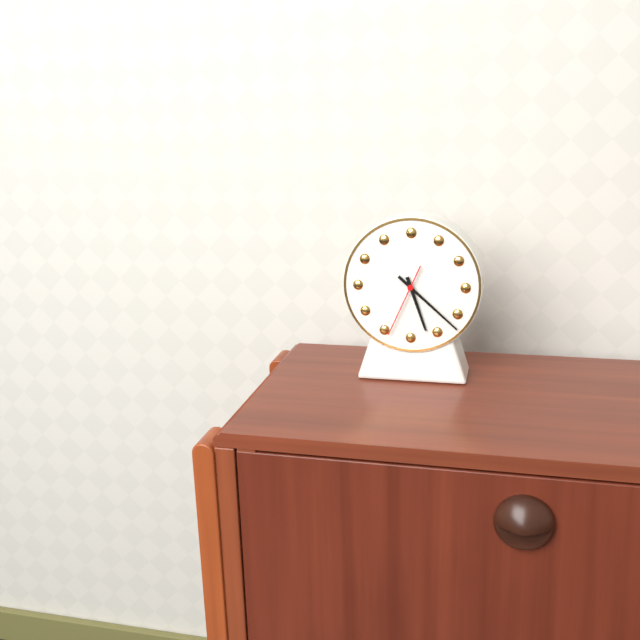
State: 5h22m34s
